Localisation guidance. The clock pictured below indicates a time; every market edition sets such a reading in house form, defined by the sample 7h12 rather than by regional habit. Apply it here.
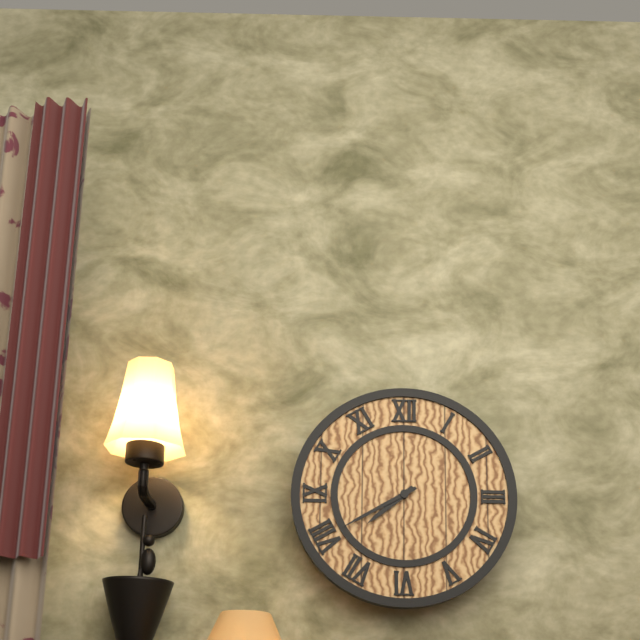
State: 7h40
